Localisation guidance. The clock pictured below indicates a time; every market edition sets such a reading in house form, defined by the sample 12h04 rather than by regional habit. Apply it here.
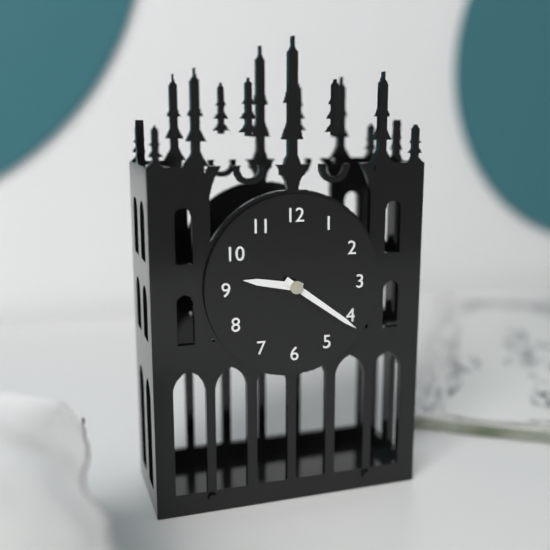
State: 9h21
